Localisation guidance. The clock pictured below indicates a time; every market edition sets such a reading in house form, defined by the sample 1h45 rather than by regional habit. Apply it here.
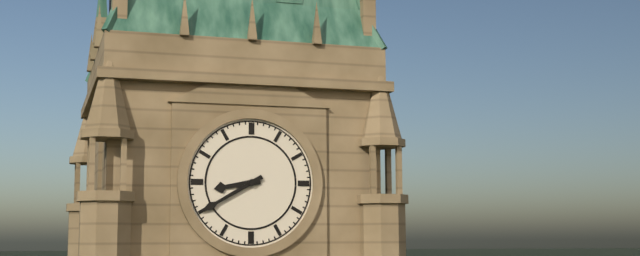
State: 8h40
